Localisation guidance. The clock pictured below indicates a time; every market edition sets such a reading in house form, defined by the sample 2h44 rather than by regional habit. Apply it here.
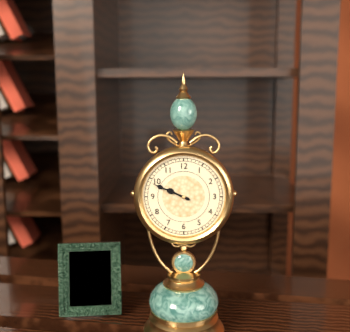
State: 9h49
